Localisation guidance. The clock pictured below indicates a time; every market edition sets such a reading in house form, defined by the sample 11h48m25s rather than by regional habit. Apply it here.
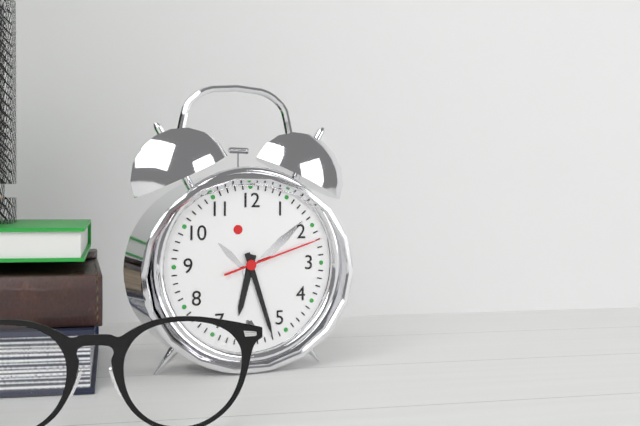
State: 6h27m12s
